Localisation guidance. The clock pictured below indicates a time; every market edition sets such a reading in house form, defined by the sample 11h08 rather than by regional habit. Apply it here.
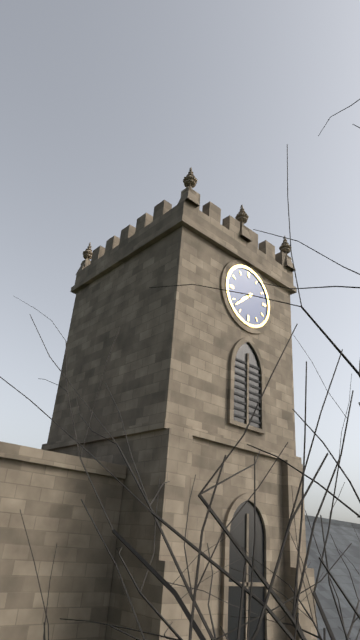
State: 7h38
